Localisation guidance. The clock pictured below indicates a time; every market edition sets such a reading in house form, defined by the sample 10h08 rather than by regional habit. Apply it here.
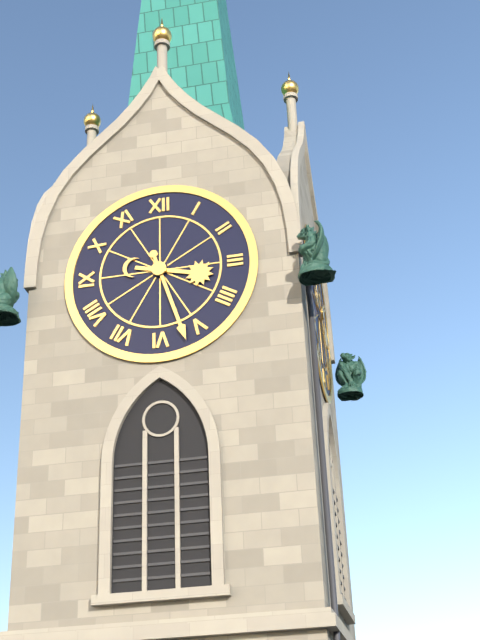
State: 3h27
